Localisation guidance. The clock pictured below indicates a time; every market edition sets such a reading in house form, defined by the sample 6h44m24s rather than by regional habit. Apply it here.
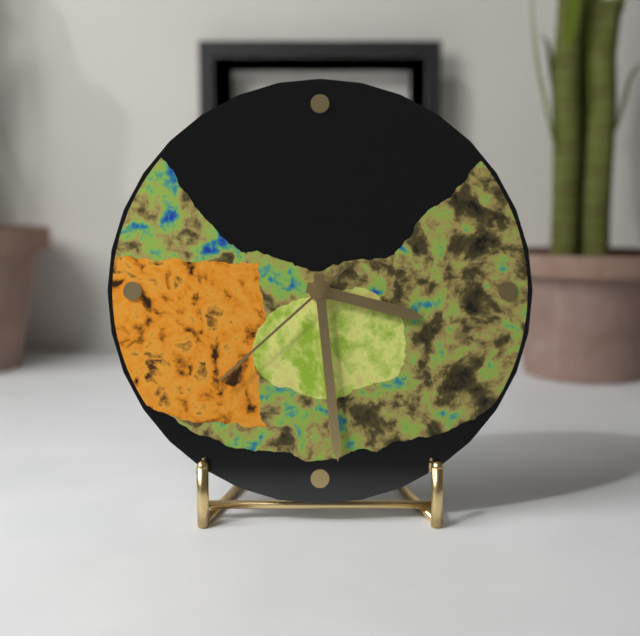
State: 3h29m38s
